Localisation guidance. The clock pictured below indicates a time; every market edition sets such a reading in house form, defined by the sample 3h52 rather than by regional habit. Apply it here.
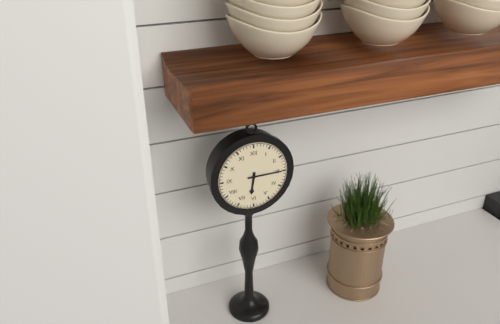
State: 6h15
